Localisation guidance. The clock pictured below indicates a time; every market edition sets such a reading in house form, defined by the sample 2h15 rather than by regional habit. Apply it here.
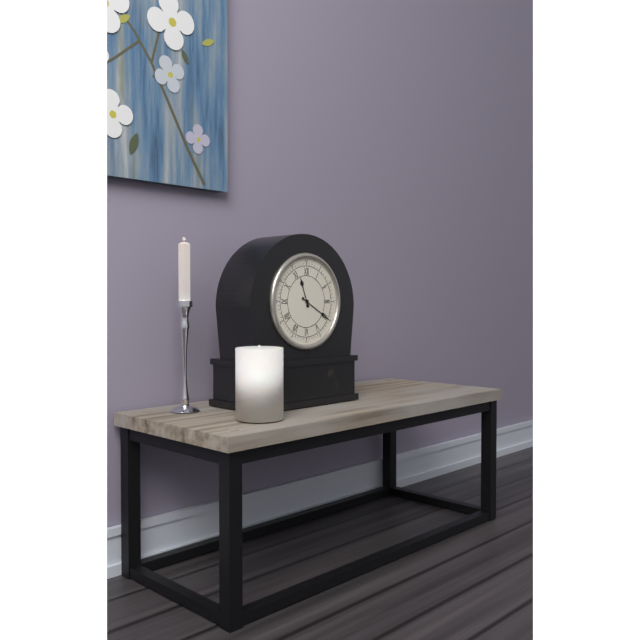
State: 11h20
